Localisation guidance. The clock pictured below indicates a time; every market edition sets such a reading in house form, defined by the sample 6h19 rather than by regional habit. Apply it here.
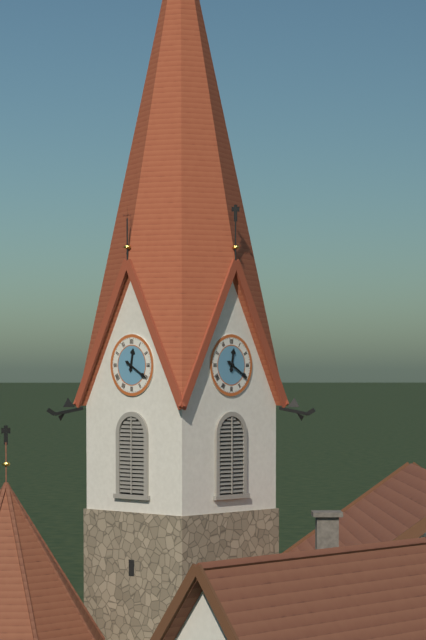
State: 12h20
